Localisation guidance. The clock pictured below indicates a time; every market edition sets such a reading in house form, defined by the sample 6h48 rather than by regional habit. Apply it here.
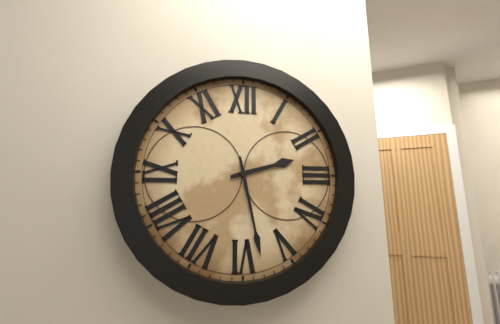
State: 2h28
